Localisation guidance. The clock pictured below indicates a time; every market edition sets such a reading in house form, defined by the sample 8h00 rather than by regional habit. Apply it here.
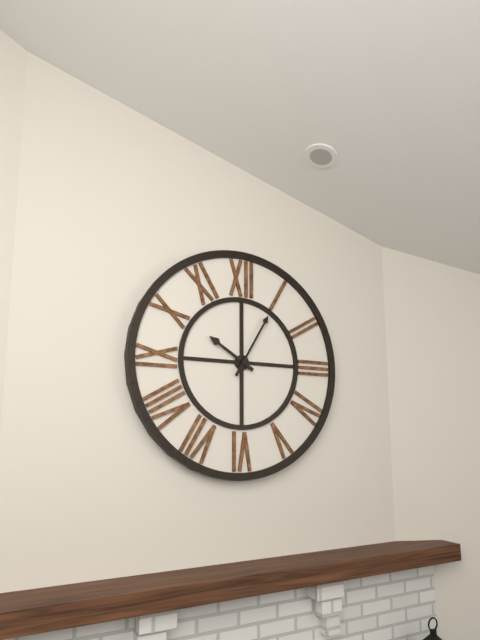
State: 10h05
